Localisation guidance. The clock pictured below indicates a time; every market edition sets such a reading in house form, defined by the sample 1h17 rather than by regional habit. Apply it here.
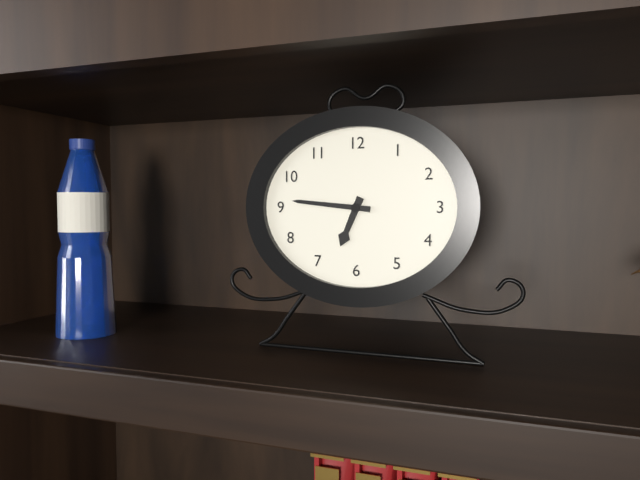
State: 6h46
